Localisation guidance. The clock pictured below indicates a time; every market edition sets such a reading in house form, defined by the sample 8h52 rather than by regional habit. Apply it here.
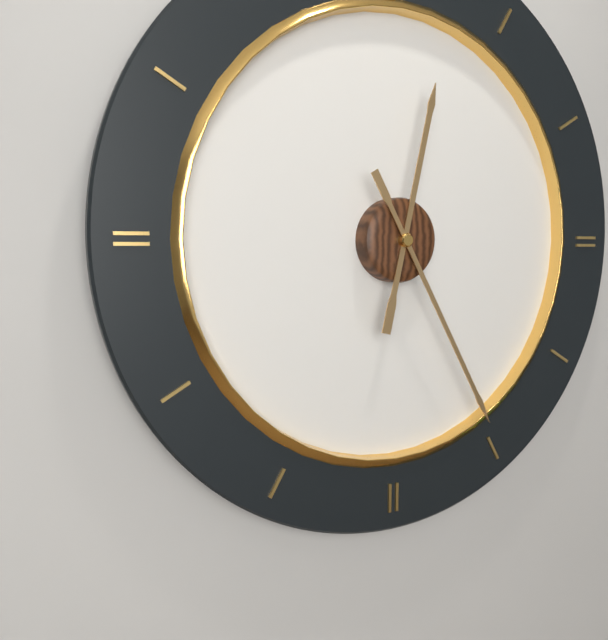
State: 12h25
